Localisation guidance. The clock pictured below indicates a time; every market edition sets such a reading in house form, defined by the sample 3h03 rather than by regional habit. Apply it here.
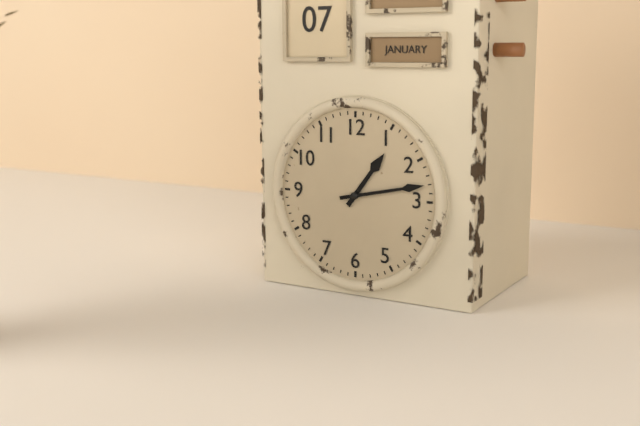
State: 1h13
